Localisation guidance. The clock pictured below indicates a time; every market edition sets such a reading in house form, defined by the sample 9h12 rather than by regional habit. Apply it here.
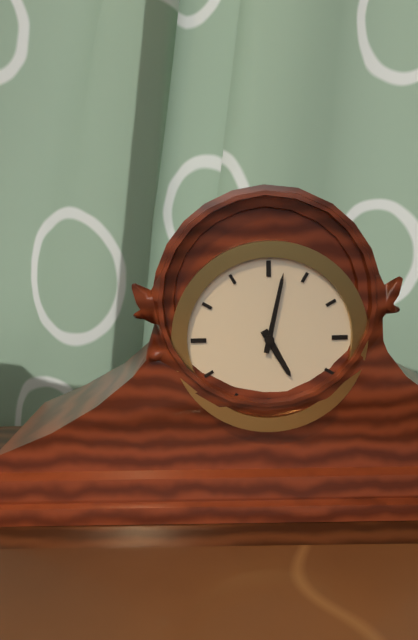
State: 5h02
